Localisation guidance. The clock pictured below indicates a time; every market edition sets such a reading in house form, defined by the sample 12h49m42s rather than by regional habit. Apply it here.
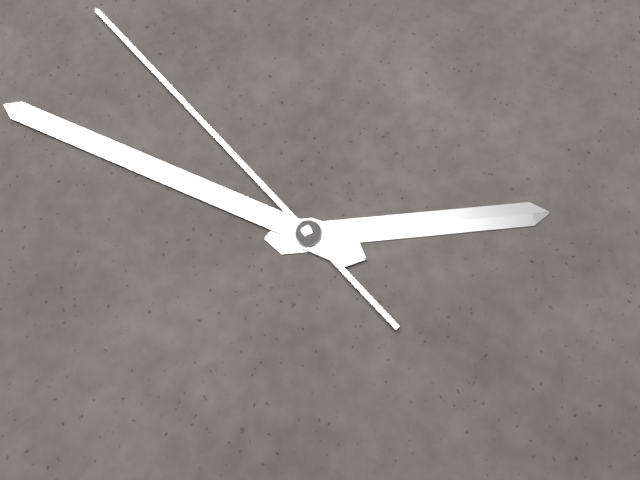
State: 5h00m04s
